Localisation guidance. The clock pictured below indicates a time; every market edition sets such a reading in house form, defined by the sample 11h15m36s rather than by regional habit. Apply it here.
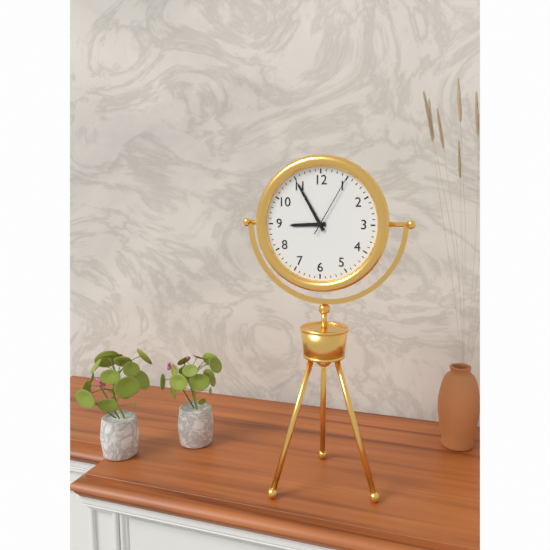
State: 8h55m05s
